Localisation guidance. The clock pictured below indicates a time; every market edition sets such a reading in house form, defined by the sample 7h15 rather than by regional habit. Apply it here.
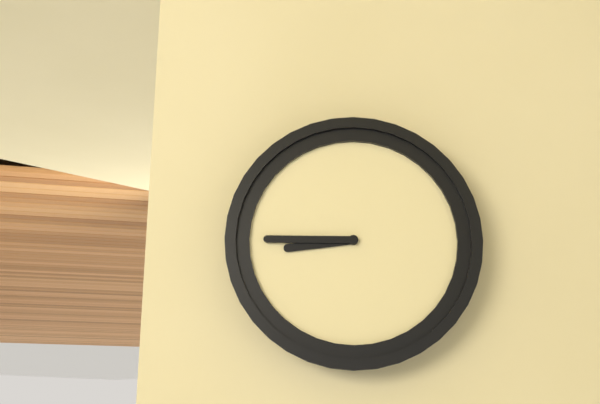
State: 8h45
